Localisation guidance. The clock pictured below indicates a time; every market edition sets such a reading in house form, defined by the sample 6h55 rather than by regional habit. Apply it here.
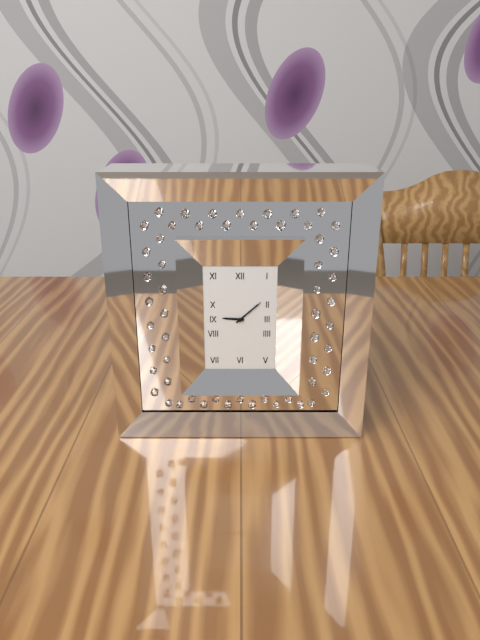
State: 9h08
